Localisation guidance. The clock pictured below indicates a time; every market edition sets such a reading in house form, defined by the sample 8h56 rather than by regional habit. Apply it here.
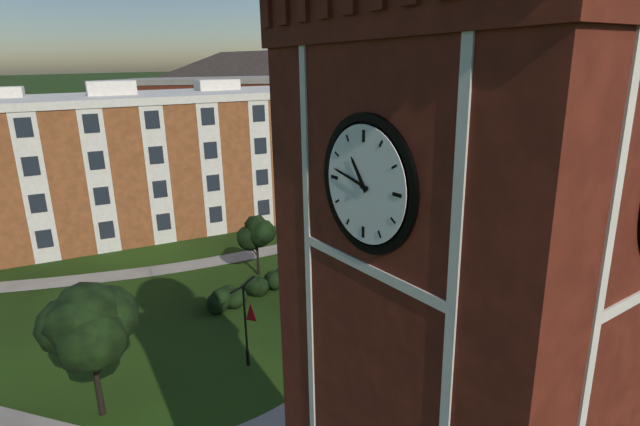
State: 10h47
